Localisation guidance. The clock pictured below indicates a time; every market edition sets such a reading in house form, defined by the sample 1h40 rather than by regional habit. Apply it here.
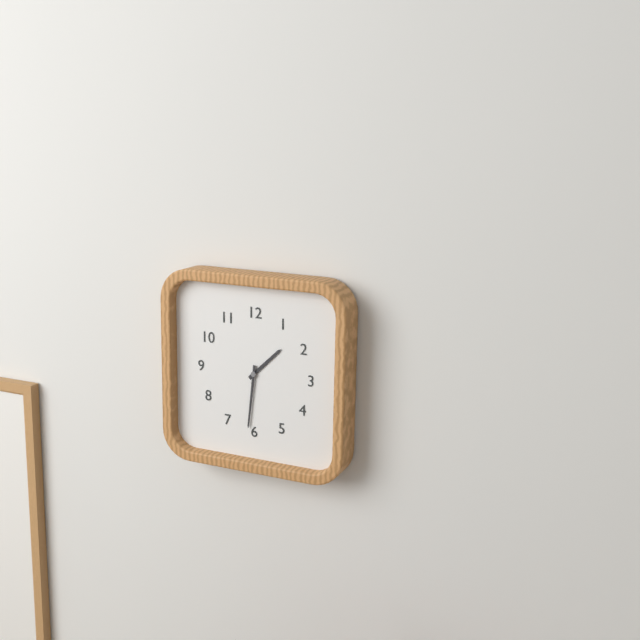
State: 1h31
